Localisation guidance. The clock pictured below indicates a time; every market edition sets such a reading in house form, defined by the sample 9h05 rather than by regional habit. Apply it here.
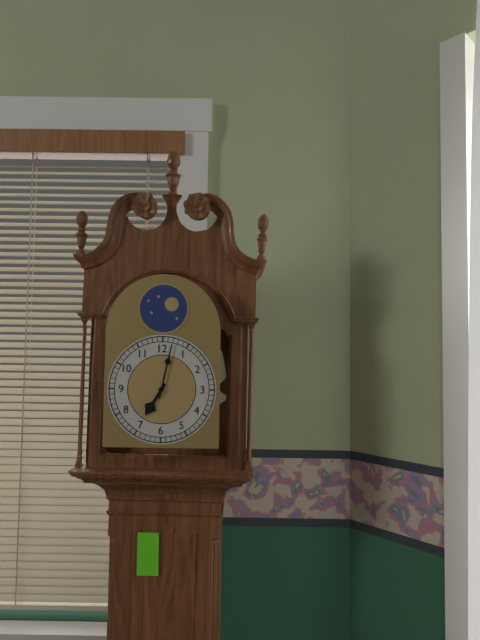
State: 7h02
